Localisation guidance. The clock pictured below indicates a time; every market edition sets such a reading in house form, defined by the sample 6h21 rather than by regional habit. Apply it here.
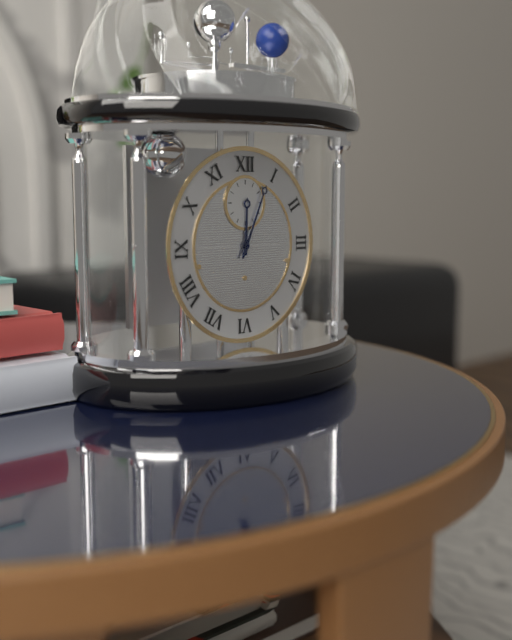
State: 12h04
